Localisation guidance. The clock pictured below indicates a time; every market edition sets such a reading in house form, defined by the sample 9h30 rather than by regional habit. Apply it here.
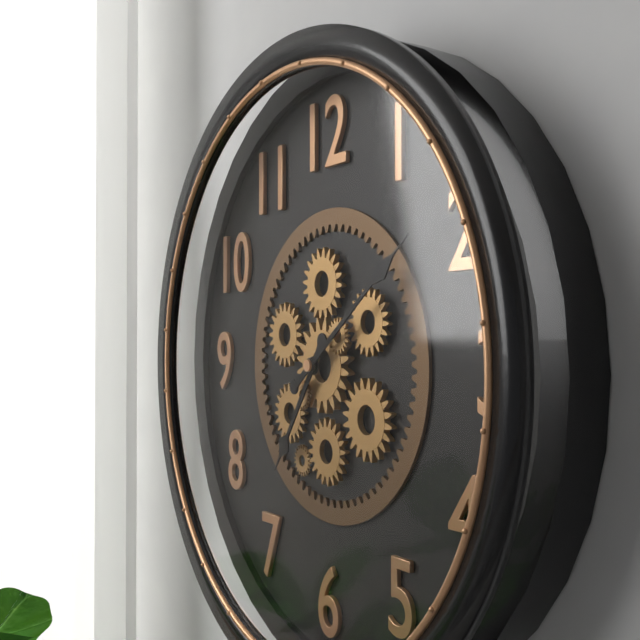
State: 7h09
